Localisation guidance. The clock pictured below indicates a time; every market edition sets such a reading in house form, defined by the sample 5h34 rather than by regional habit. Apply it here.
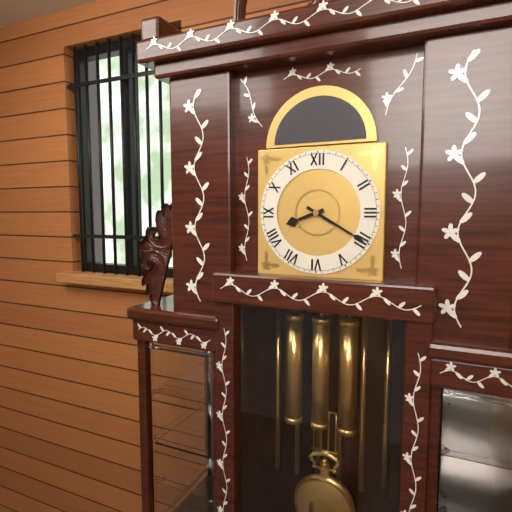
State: 8h20
